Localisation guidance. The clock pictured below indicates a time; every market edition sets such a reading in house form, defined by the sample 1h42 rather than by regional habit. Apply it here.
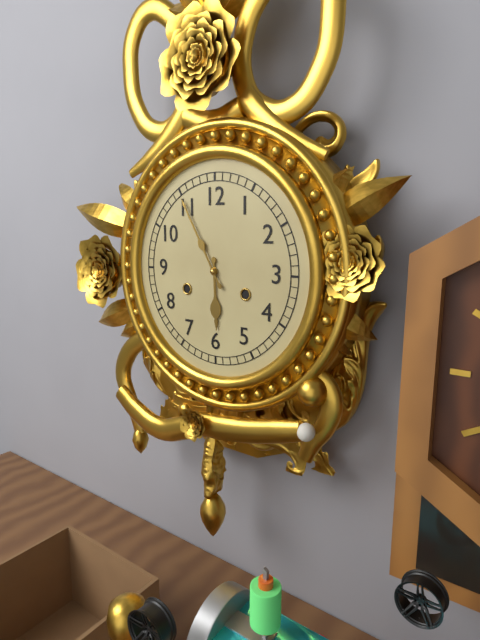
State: 5h55
